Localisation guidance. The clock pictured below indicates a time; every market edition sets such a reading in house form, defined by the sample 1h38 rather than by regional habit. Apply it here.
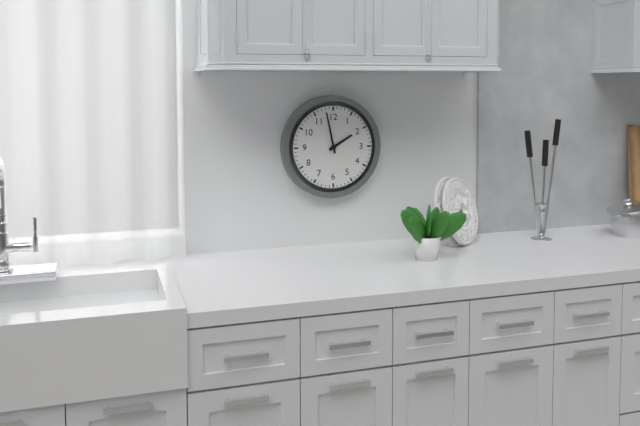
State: 1h58
